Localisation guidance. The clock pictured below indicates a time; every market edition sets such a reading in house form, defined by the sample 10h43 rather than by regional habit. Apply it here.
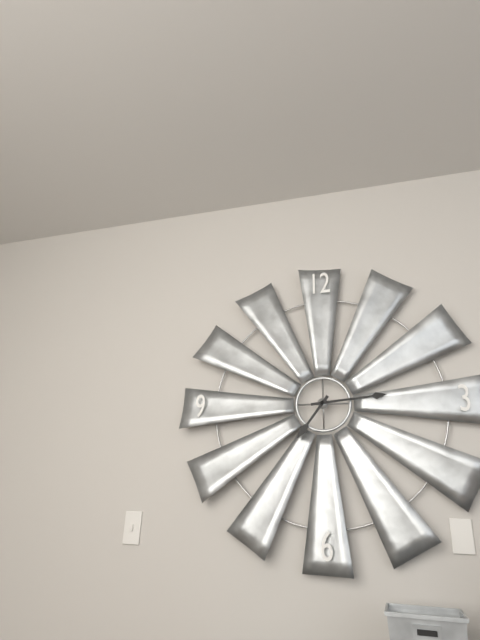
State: 7h14
